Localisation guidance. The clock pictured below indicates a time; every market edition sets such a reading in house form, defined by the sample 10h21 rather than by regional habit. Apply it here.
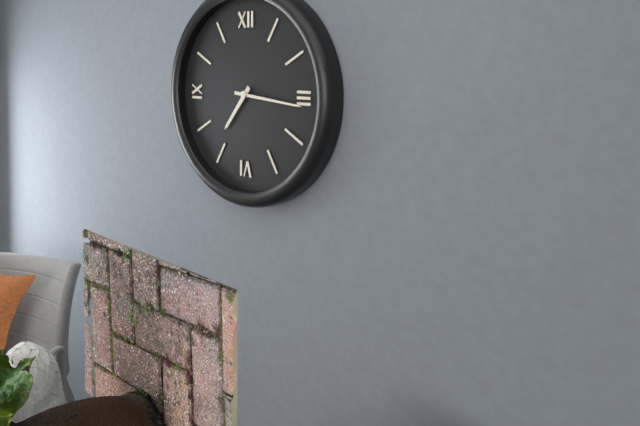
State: 7h16
